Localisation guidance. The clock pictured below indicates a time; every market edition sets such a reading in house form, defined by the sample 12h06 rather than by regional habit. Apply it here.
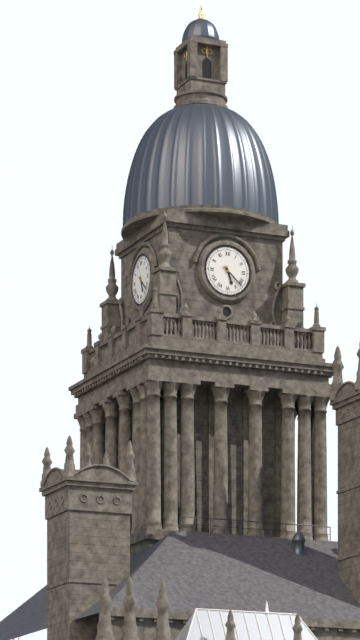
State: 5h22
